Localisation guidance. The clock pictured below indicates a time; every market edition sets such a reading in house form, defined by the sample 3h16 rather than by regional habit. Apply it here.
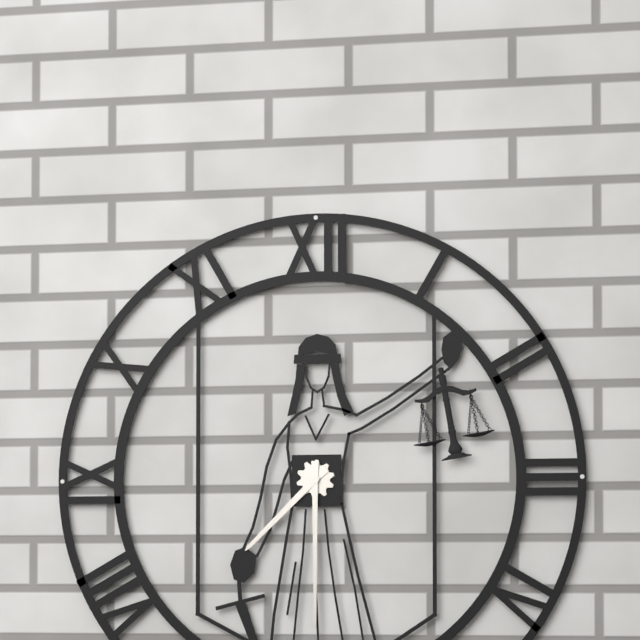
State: 7h30
